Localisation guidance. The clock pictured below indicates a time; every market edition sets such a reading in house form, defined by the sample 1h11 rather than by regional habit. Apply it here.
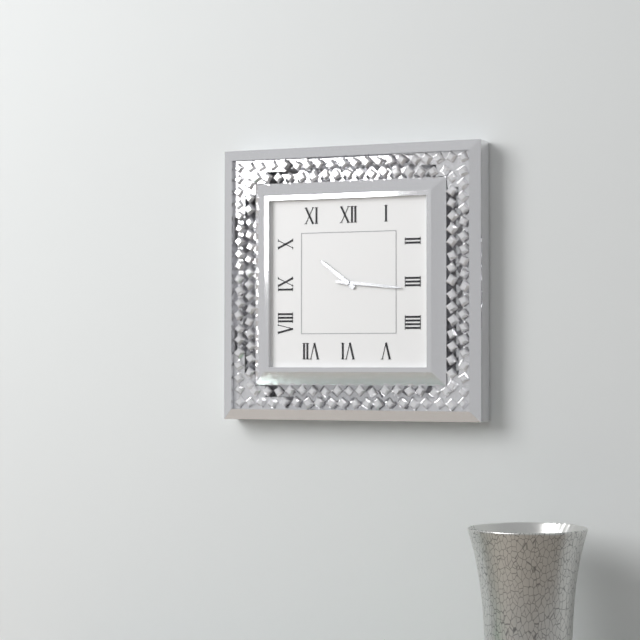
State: 10h16
